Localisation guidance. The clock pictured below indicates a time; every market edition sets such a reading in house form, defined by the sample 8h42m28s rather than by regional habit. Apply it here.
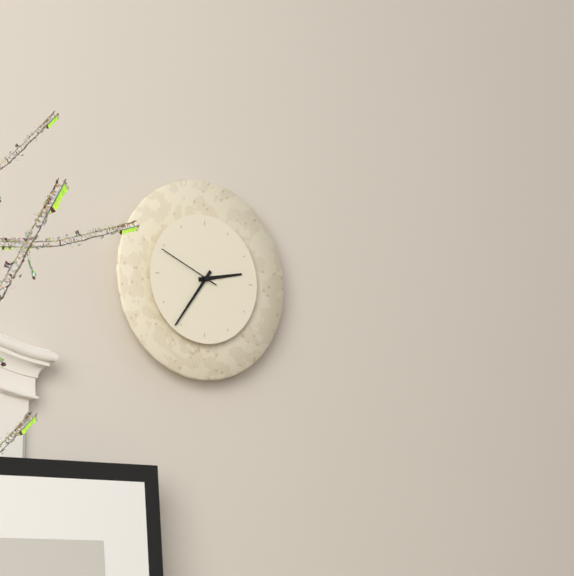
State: 2h36m49s
